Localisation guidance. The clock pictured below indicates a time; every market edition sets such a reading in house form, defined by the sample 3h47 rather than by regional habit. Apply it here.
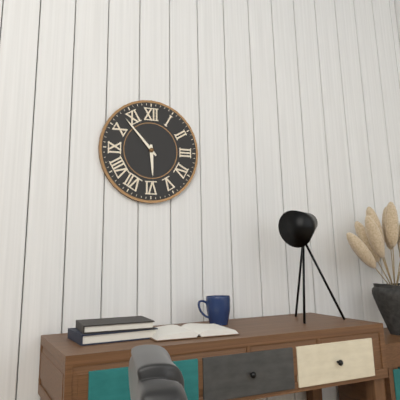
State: 5h53
